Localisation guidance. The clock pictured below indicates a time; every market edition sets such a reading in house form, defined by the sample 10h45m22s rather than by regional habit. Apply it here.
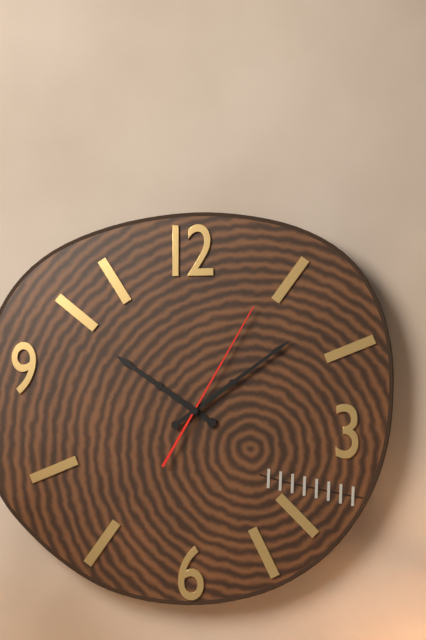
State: 10h09m05s
